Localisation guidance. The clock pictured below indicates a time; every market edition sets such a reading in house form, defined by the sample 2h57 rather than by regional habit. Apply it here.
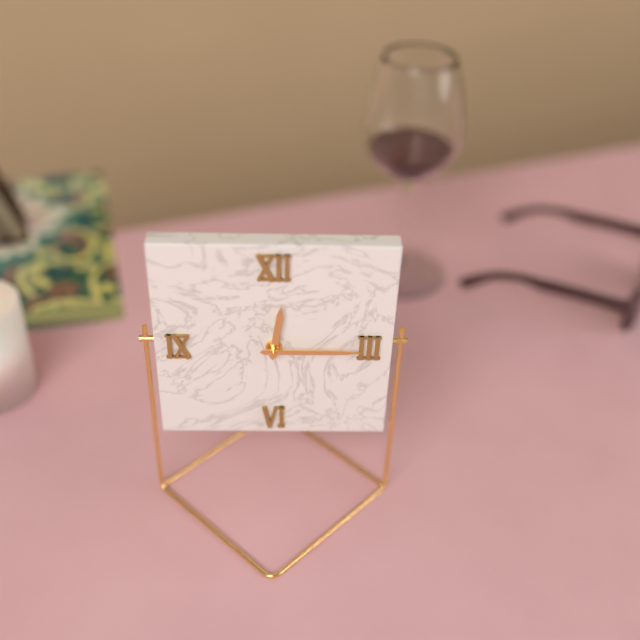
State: 12h15
